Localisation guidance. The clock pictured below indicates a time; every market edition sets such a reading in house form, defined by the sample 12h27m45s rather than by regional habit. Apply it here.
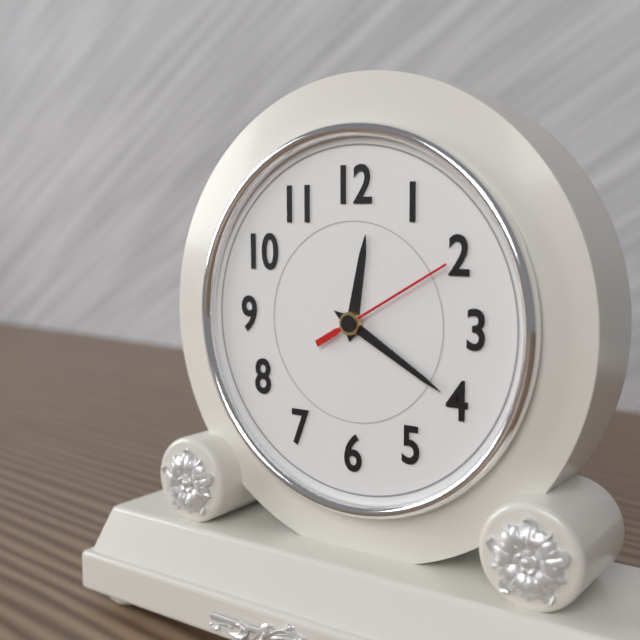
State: 12h20m10s
